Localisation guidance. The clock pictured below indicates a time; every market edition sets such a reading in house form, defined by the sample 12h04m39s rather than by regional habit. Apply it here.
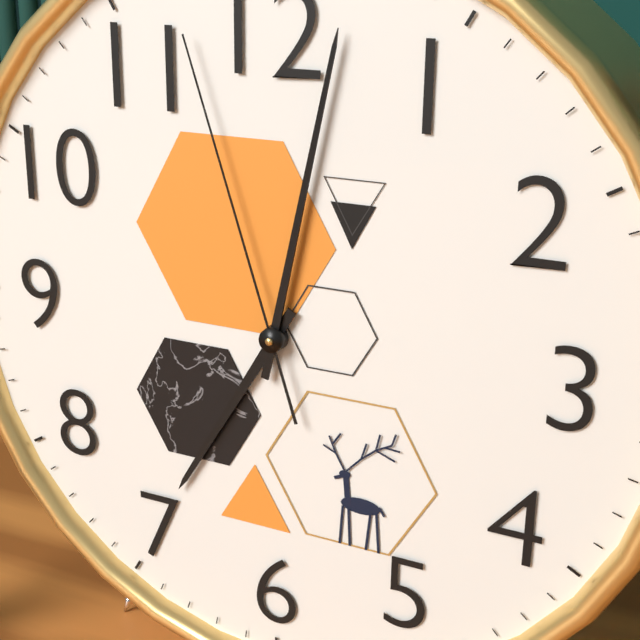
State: 7h02m57s
